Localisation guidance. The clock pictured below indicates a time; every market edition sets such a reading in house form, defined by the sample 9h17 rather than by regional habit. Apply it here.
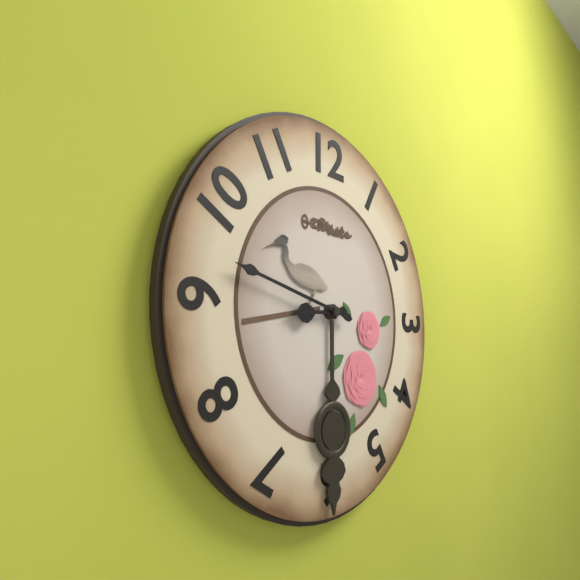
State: 8h47
